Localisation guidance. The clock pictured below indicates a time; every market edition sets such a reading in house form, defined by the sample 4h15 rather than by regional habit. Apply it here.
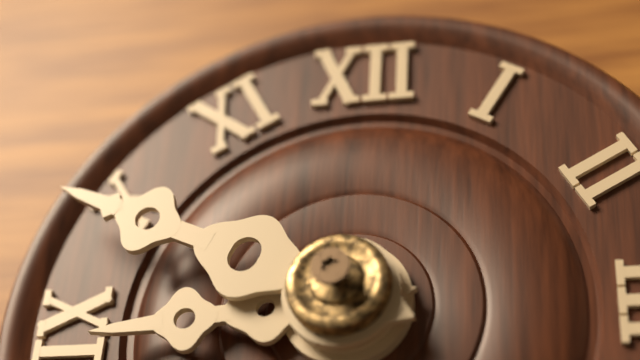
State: 8h49
